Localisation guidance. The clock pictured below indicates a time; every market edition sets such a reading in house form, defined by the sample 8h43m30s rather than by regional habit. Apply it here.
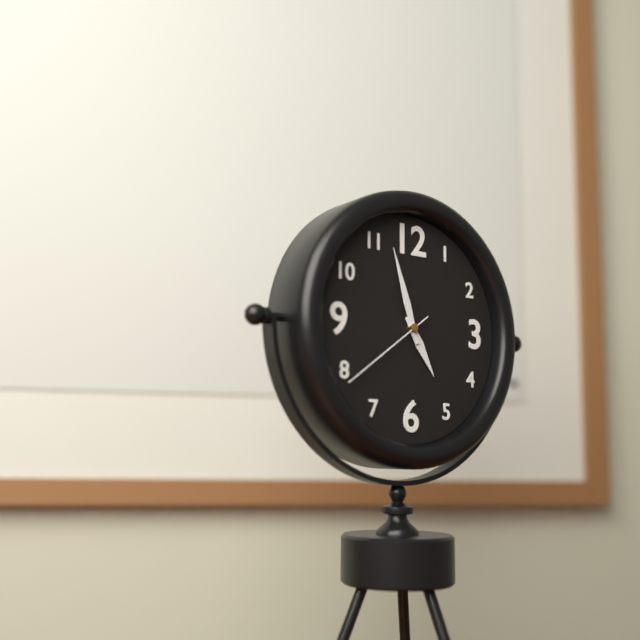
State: 4h57m39s
